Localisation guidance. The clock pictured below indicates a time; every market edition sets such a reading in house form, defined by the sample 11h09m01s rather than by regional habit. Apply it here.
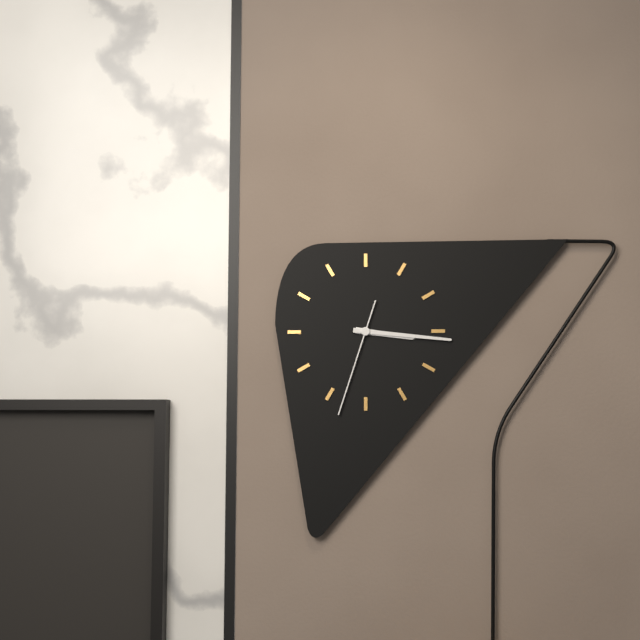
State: 3h16m33s
